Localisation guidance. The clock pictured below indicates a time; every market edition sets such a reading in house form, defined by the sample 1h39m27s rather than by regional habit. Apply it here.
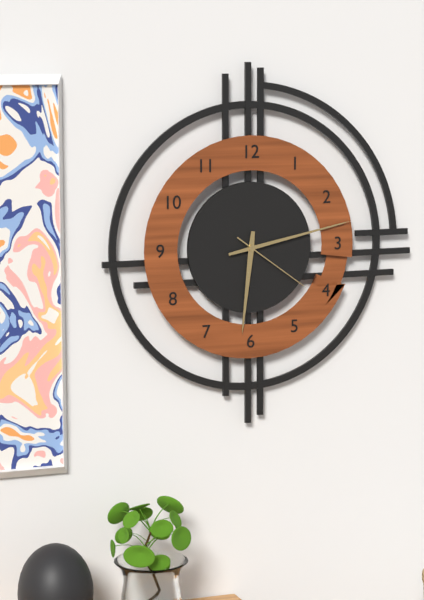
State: 6h13m21s
